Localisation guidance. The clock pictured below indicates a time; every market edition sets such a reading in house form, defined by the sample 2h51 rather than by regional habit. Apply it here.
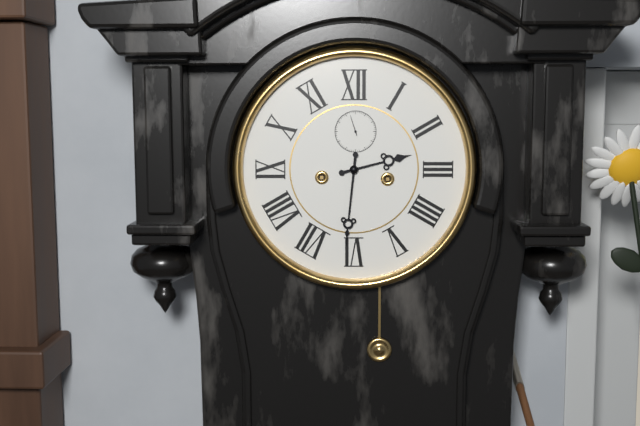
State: 2h31
